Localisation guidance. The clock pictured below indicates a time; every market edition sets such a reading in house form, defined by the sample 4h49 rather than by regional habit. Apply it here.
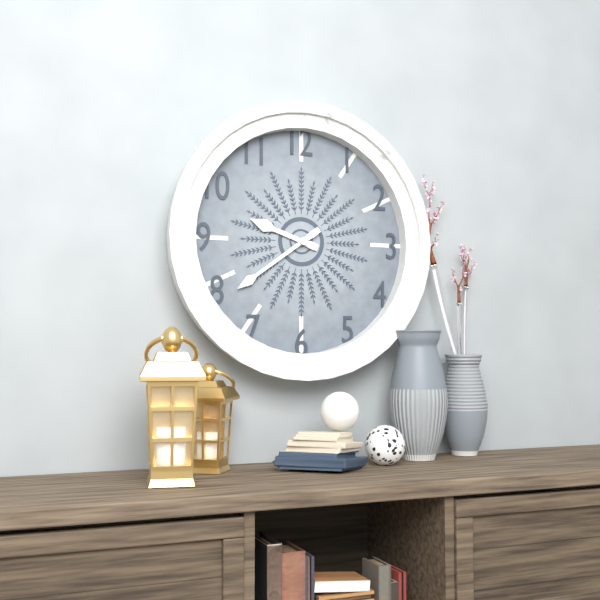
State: 9h39
